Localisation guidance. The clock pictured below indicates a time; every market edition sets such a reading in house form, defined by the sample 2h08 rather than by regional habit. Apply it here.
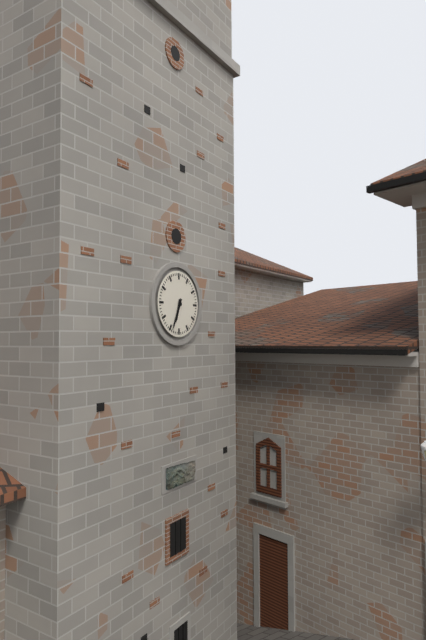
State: 6h34
